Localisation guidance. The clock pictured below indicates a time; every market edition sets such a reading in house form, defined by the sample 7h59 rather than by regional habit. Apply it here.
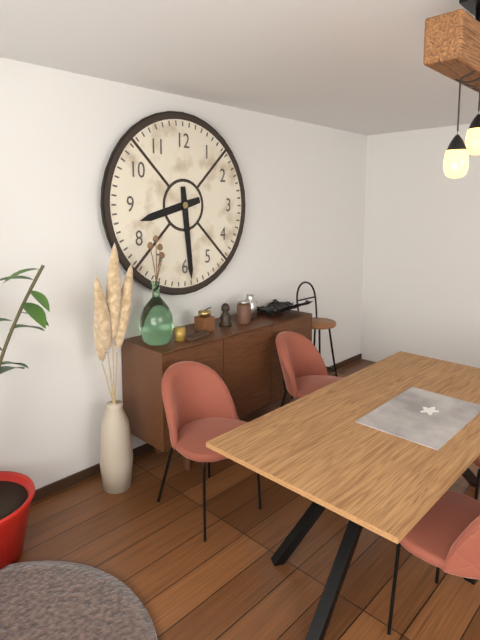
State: 8h29
